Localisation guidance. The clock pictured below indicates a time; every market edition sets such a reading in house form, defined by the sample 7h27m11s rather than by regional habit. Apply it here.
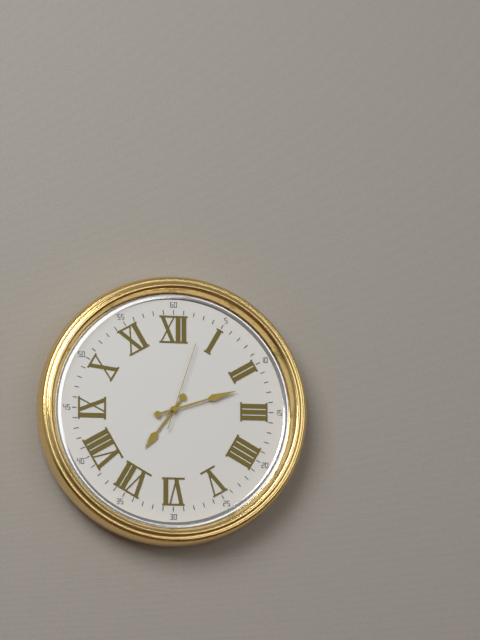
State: 7h12m03s
